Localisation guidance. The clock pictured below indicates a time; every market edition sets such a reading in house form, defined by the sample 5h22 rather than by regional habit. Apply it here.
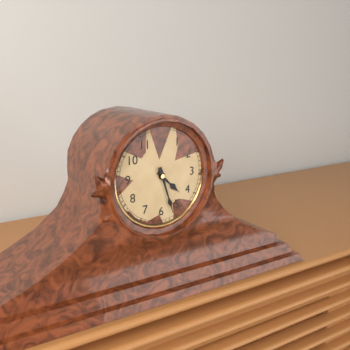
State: 4h27
